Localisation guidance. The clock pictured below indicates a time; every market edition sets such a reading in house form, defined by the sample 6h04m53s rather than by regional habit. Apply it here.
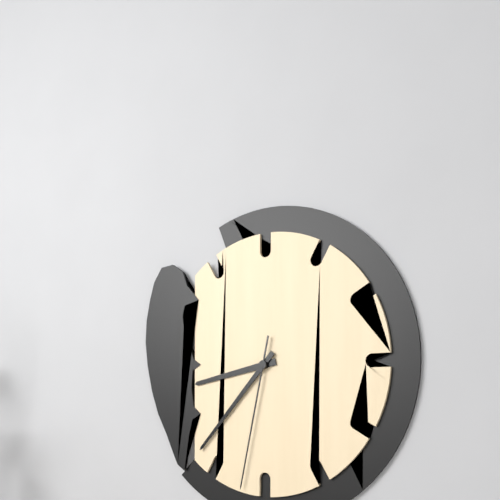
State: 8h37m32s
